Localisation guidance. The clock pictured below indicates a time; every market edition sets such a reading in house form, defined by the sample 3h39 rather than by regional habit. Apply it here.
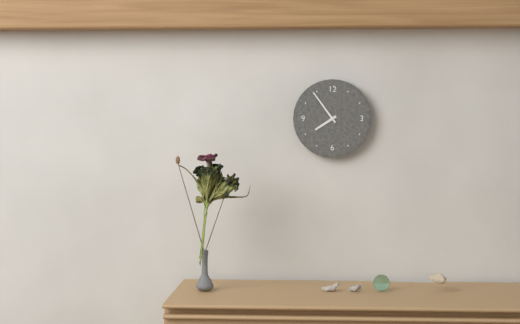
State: 7h54
